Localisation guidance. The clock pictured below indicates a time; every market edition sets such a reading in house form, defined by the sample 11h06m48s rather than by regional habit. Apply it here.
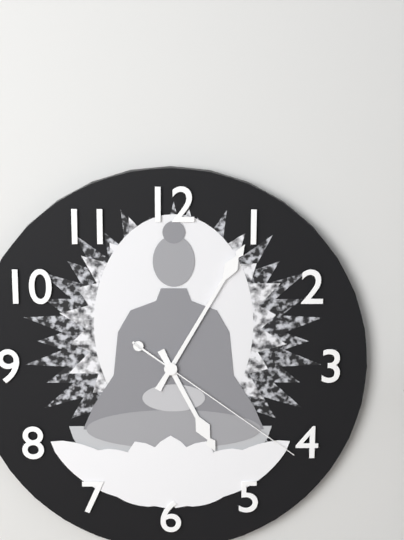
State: 5h05m21s
